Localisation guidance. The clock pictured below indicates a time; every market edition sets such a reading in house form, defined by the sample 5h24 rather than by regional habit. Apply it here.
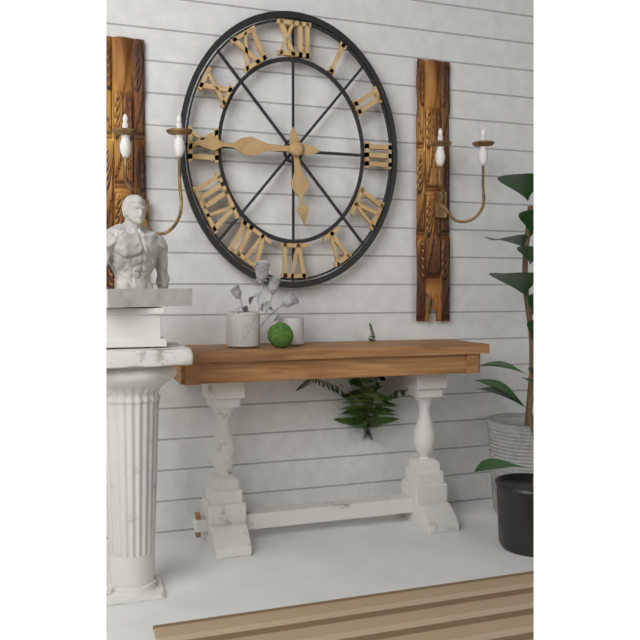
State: 5h45
